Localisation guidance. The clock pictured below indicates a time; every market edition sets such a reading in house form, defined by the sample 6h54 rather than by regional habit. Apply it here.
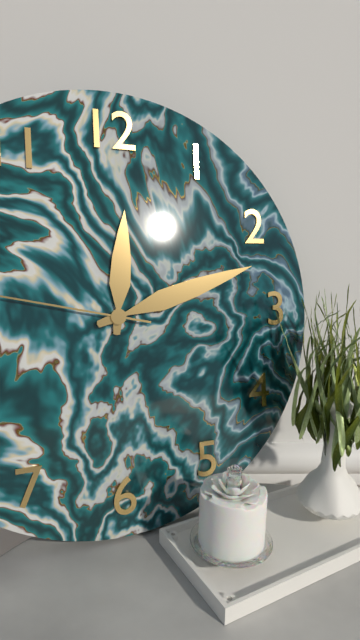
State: 12h12
